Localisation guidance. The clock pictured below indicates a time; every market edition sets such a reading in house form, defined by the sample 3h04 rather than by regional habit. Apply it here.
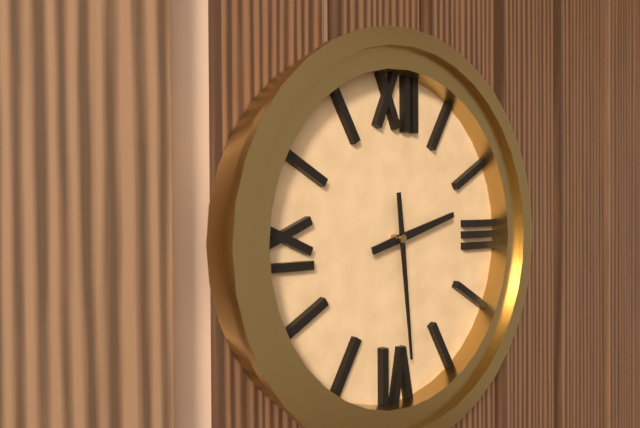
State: 2h29
